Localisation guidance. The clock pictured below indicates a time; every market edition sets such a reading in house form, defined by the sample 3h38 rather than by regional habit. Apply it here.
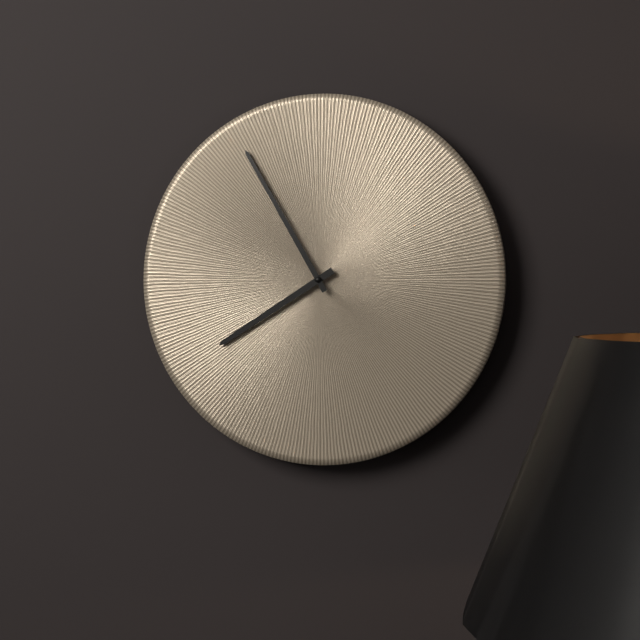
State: 7h55
